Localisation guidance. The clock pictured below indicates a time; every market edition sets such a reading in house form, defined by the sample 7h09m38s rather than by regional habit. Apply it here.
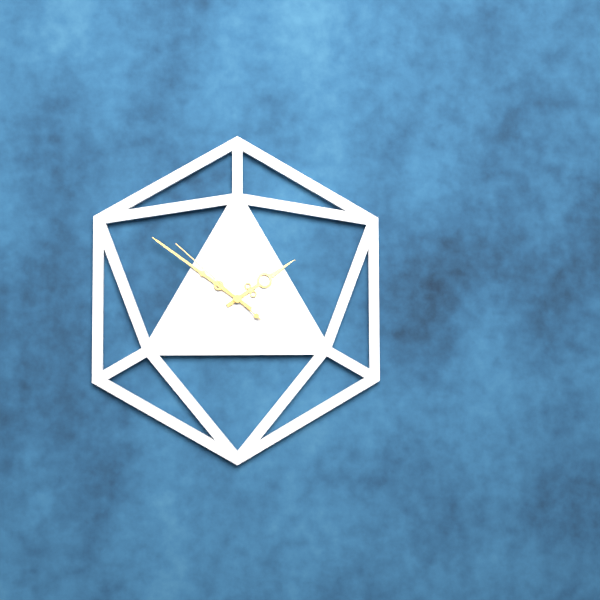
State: 1h51m52s
